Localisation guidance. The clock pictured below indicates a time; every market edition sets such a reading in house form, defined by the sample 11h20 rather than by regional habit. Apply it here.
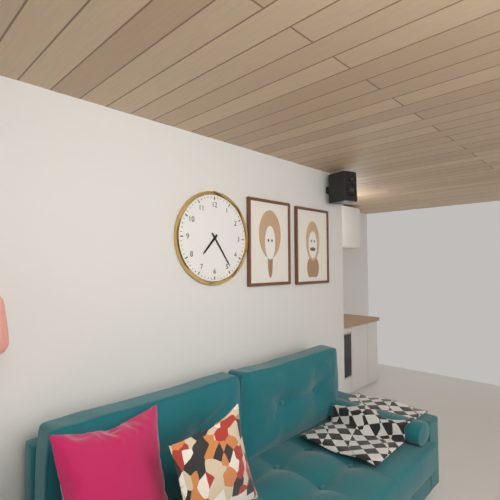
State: 7h24
